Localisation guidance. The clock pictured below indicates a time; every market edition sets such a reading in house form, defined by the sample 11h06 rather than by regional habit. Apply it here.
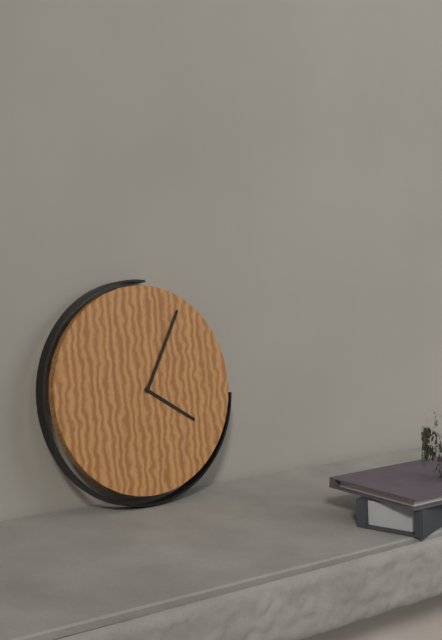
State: 4h05
